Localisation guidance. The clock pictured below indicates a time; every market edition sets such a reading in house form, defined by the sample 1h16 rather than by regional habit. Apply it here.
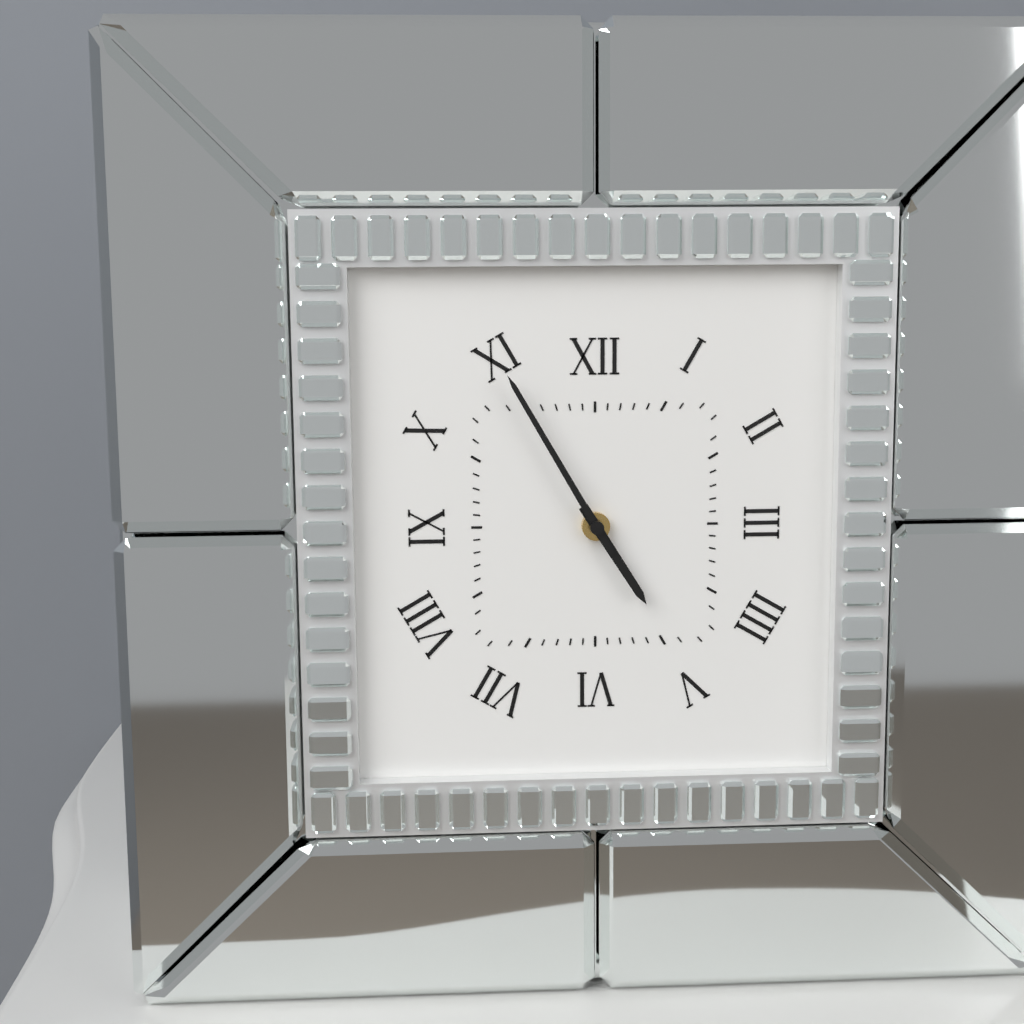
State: 4h55
